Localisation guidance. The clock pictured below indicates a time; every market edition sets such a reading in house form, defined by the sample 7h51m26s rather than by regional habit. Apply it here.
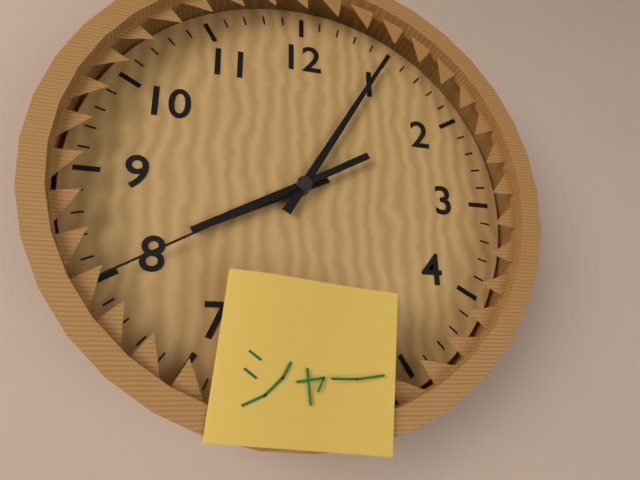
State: 8h05m40s
